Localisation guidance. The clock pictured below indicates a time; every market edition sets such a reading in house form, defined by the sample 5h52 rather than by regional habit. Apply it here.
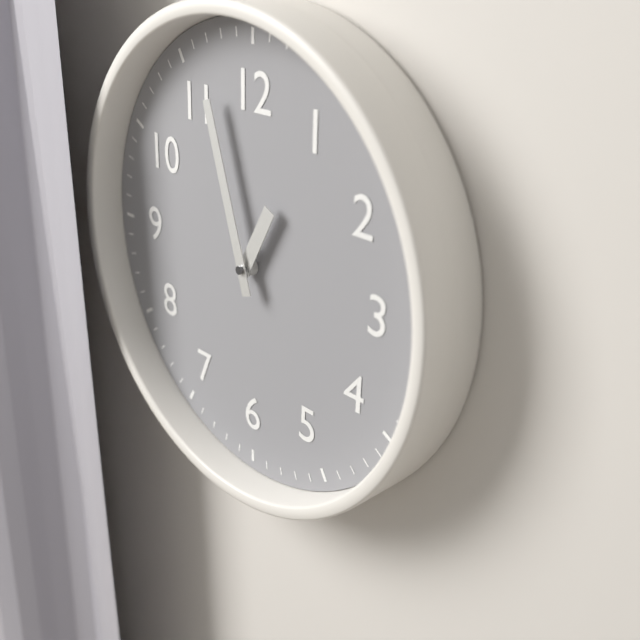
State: 12h57
